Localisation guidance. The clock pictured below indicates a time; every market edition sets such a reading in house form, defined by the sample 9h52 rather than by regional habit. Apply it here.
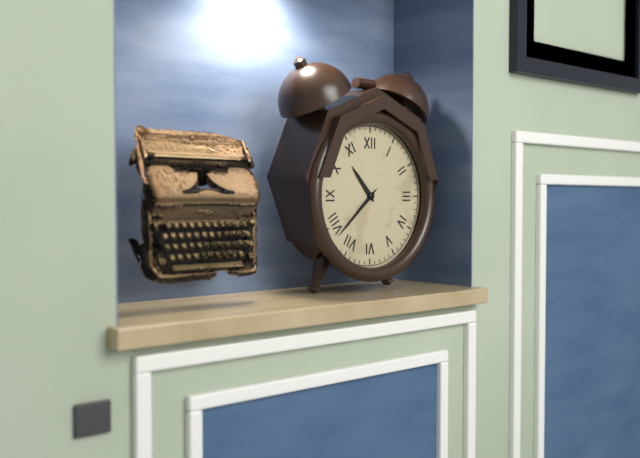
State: 10h38
